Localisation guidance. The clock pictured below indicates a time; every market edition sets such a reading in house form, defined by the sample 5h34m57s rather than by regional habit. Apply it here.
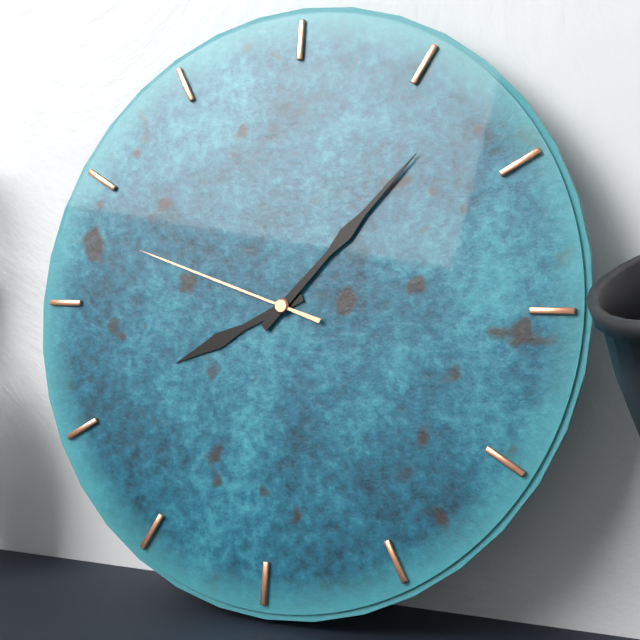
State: 8h07m48s
